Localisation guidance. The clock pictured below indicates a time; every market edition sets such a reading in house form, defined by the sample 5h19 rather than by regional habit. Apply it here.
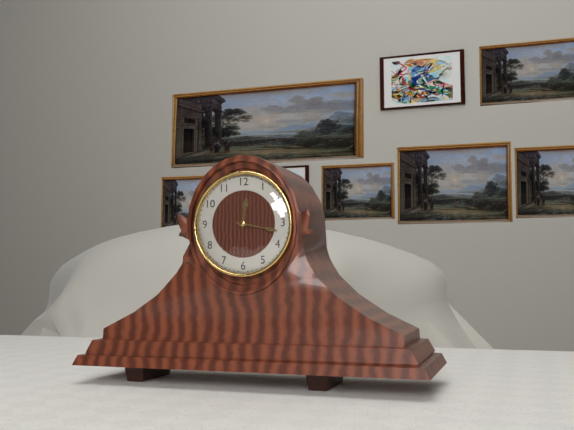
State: 12h17
